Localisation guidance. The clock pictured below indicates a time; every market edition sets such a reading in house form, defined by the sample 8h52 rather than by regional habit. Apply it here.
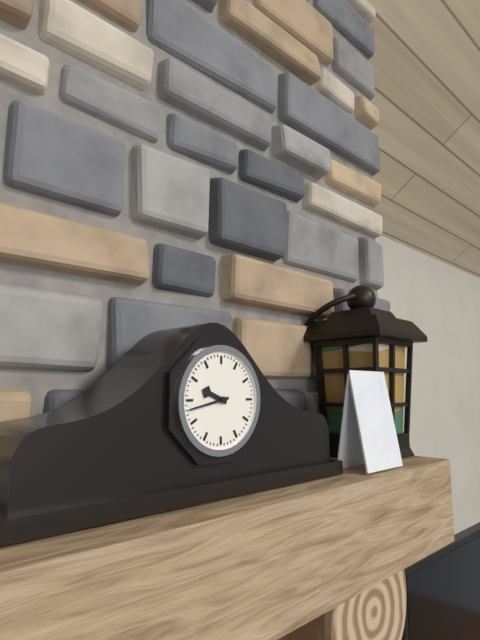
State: 9h43
